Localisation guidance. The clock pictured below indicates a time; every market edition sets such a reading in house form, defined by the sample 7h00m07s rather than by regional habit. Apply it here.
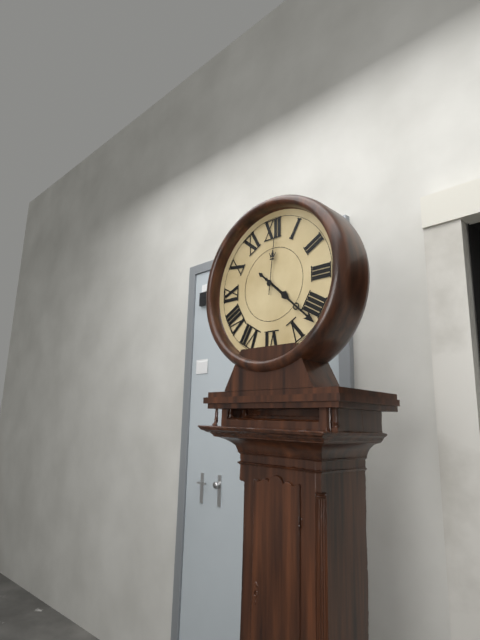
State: 4h22m01s
